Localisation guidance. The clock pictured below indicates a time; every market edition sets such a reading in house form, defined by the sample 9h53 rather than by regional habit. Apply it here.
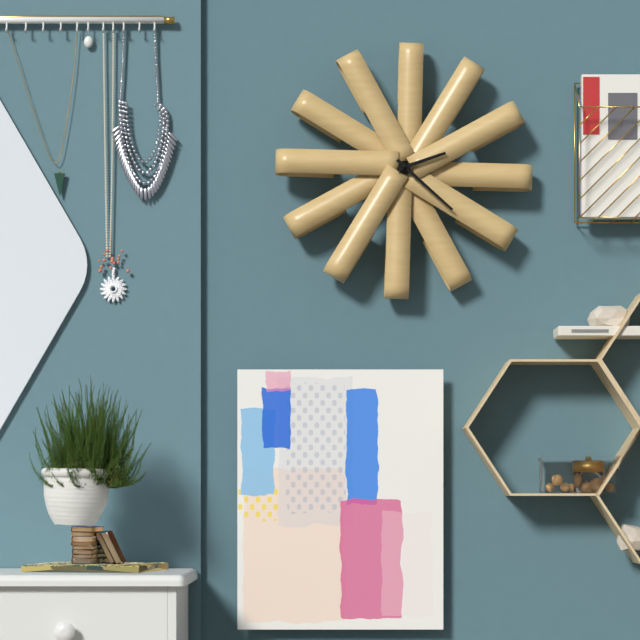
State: 2h22
